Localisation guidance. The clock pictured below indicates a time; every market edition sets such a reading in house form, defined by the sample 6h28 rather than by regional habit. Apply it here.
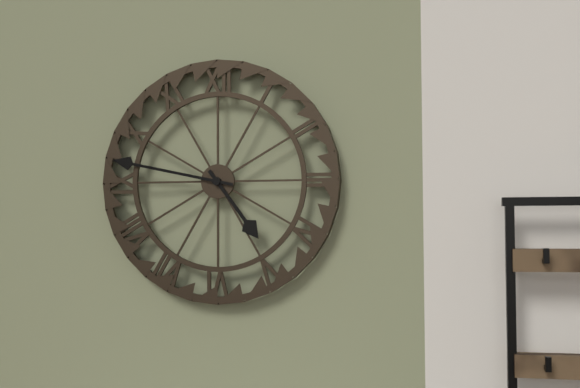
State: 4h47
